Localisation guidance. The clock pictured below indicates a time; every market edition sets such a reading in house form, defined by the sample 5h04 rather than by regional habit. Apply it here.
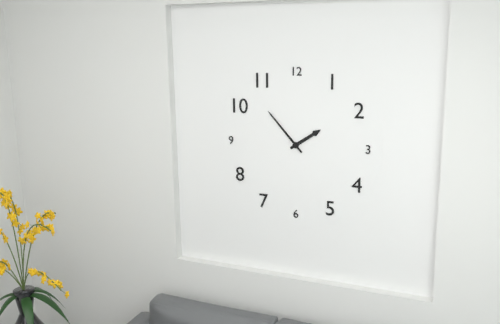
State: 1h53
